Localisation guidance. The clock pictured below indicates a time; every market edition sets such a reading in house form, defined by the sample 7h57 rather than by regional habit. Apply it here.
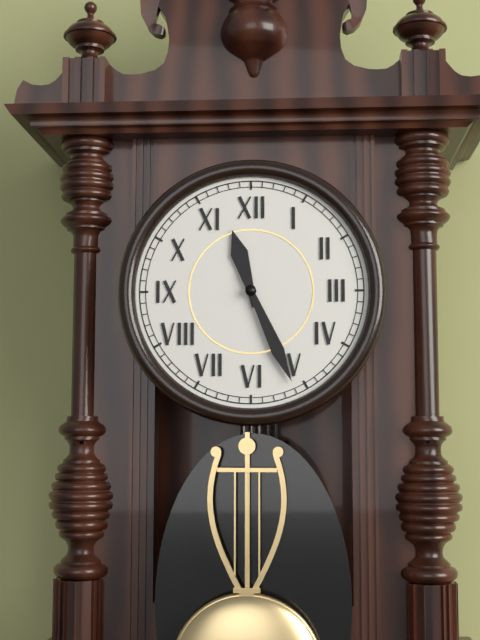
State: 11h26
